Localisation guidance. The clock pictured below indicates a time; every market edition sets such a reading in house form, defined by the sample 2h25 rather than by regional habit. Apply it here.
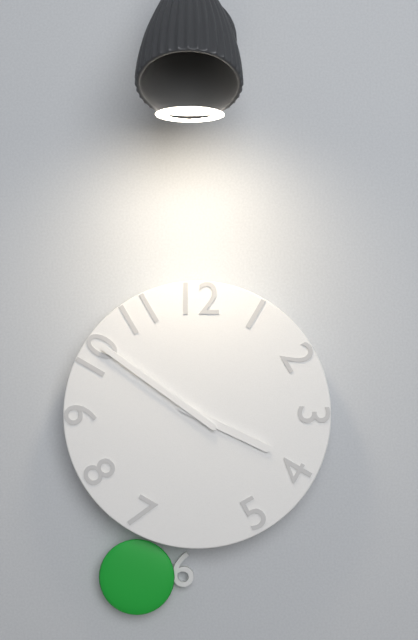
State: 3h51
